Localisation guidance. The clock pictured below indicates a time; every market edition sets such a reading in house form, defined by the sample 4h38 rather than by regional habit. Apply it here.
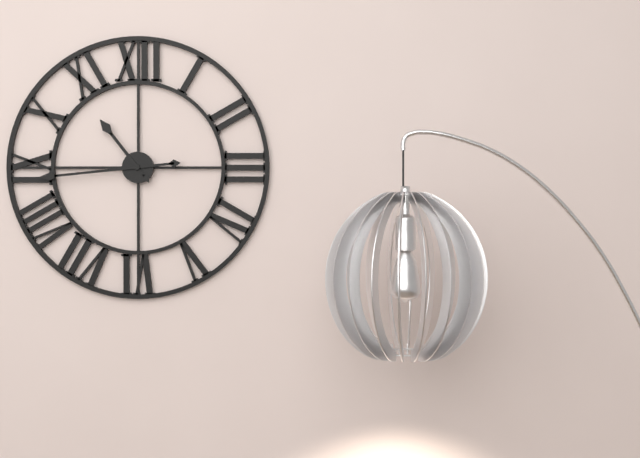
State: 10h44
